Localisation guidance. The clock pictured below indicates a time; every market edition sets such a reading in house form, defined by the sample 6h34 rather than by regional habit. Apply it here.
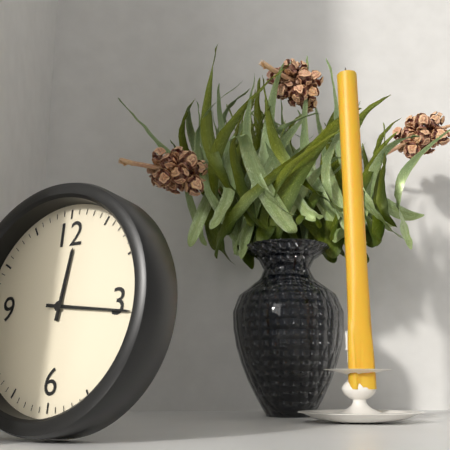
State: 12h16
